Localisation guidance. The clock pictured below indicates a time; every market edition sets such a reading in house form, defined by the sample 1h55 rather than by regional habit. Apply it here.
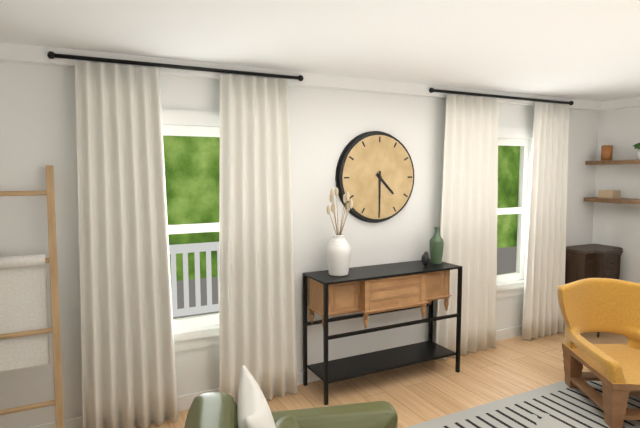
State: 4h30
